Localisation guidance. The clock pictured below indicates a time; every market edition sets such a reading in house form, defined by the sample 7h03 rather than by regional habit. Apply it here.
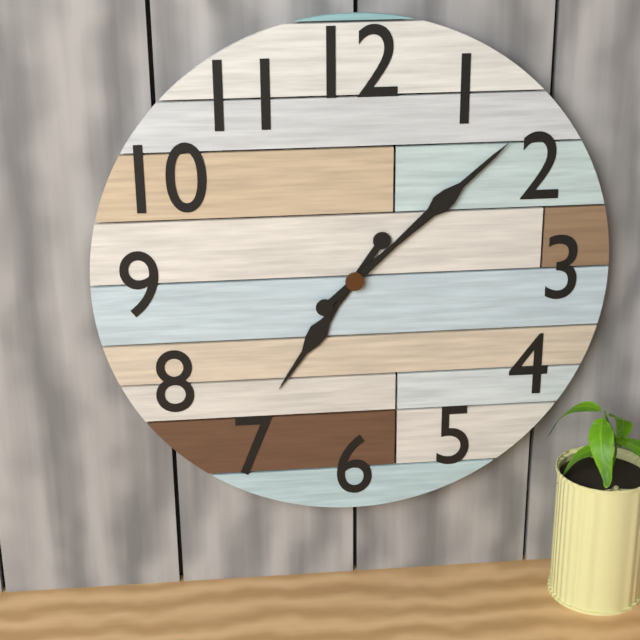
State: 7h08
